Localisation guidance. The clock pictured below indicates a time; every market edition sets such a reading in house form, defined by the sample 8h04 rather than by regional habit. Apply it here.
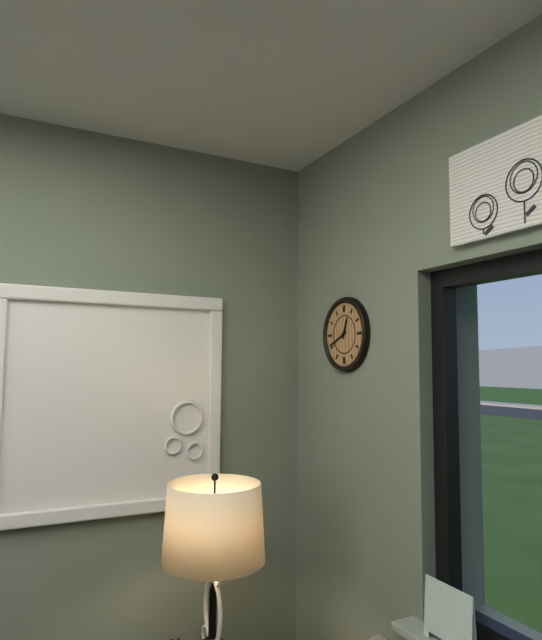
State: 12h41
